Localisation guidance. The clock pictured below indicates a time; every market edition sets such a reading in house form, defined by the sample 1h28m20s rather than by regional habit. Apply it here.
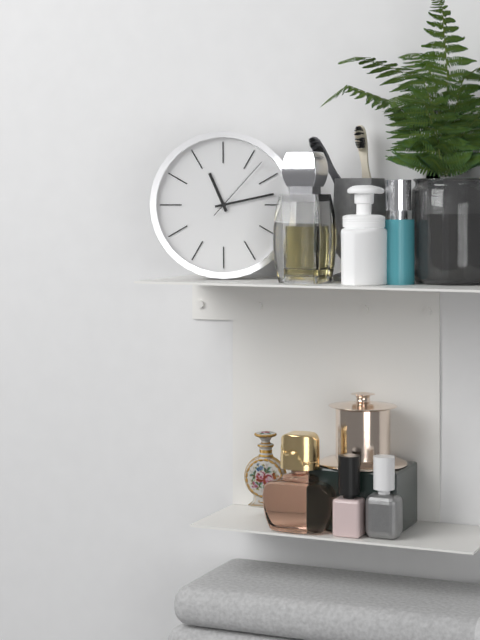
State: 11h13m07s
